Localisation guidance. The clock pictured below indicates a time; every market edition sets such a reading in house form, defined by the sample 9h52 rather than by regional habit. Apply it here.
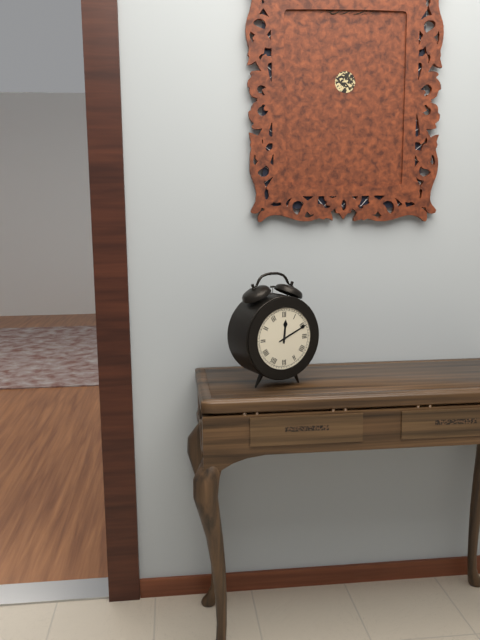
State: 12h11
